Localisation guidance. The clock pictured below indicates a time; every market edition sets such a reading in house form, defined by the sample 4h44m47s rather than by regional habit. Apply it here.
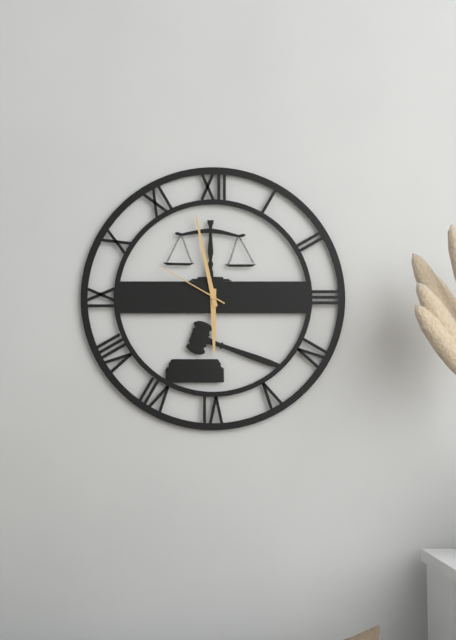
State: 5h58m50s
